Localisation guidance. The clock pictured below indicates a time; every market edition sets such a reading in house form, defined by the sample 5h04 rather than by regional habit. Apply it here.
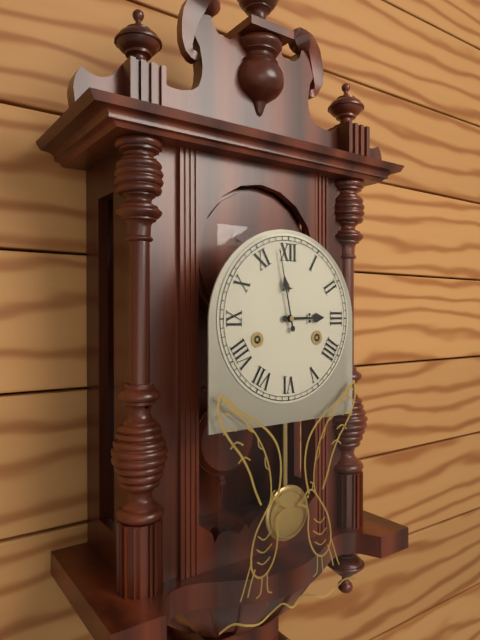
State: 2h58
